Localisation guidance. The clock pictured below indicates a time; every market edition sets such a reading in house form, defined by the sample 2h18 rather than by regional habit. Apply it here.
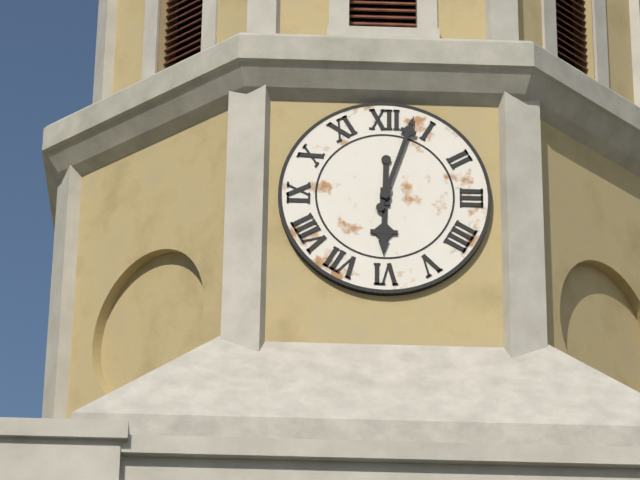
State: 6h03
